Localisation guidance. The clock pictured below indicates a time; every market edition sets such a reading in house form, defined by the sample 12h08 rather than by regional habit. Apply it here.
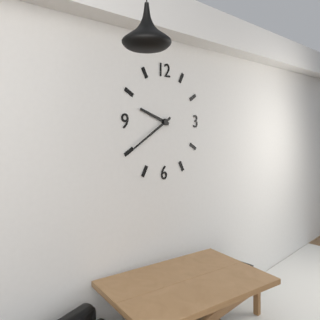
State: 9h40
